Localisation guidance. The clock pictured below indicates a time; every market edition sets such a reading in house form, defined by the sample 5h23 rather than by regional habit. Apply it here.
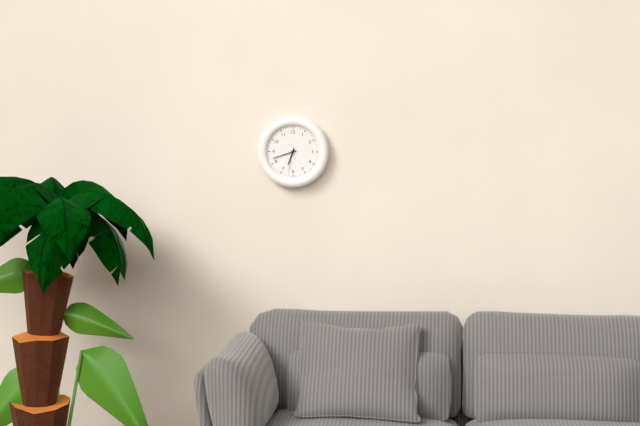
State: 6h42
